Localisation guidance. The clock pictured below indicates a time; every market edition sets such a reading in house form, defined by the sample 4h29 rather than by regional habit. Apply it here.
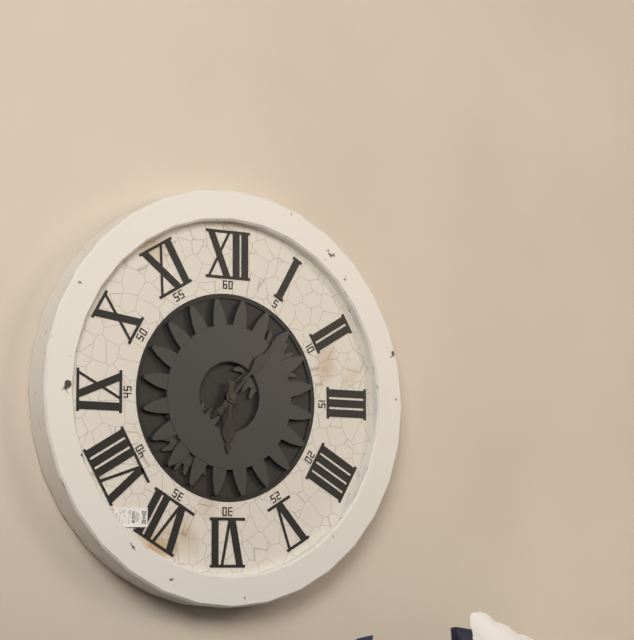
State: 6h07
